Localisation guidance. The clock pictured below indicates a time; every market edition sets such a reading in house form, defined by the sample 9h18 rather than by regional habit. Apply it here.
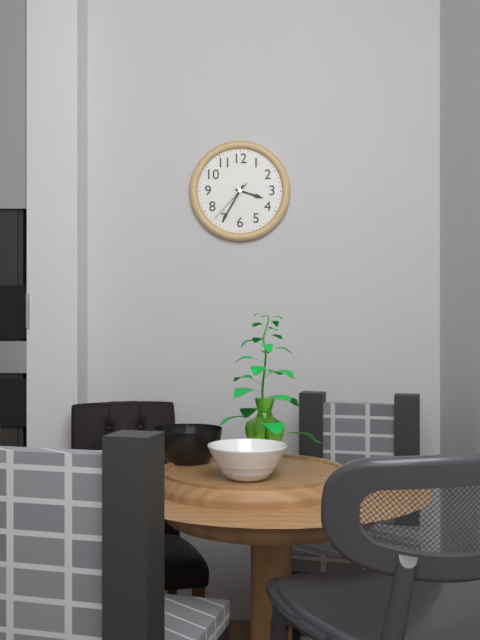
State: 3h35
